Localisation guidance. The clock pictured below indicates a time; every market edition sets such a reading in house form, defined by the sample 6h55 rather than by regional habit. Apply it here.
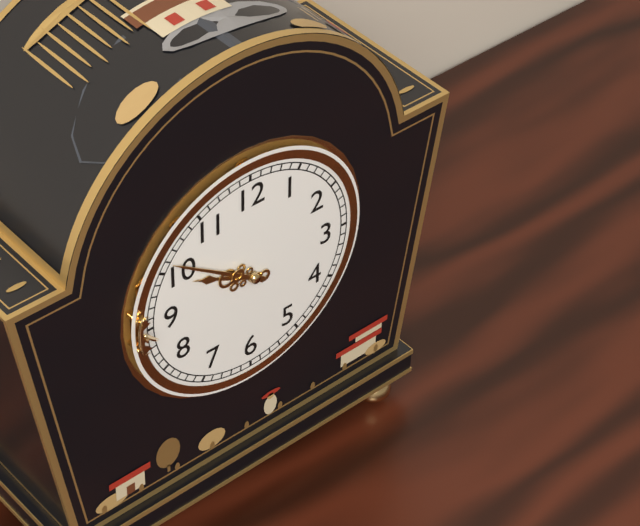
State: 9h51
